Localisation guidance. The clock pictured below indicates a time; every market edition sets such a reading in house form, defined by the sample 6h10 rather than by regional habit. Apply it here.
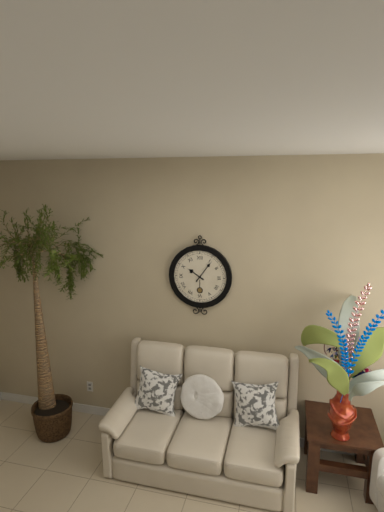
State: 10h06
